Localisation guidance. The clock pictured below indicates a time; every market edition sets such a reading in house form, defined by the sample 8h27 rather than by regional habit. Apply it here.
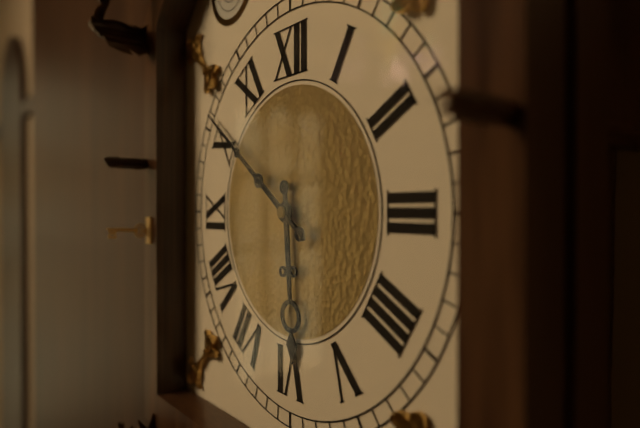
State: 5h51
